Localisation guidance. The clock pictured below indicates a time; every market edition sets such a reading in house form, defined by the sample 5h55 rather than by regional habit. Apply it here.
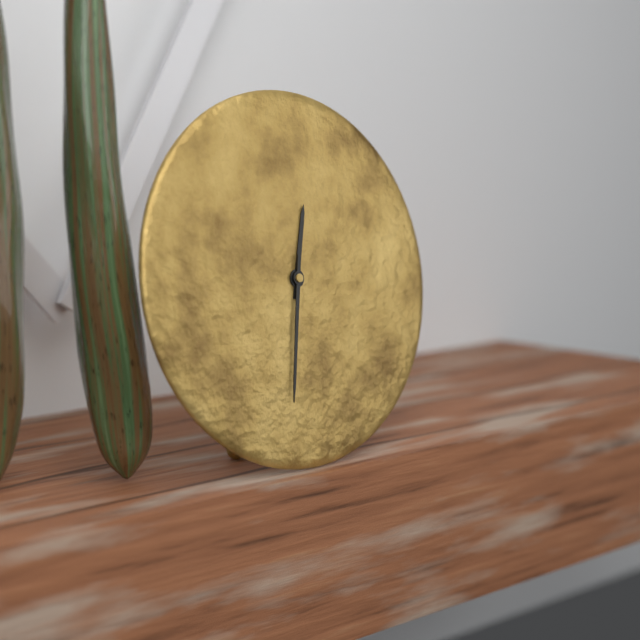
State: 12h32
